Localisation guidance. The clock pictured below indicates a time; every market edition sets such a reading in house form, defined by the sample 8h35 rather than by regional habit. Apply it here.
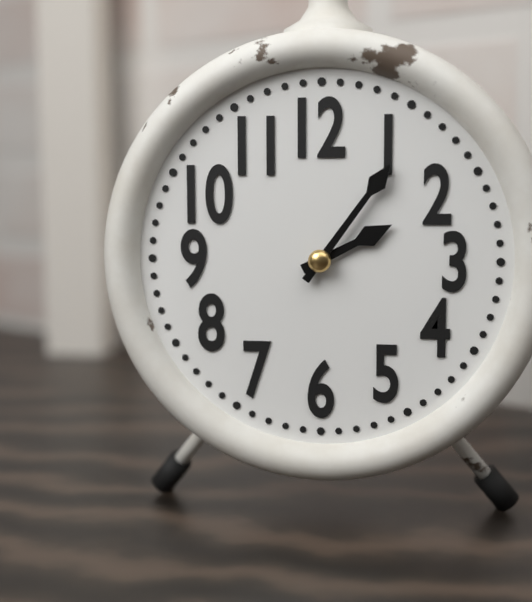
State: 2h06
